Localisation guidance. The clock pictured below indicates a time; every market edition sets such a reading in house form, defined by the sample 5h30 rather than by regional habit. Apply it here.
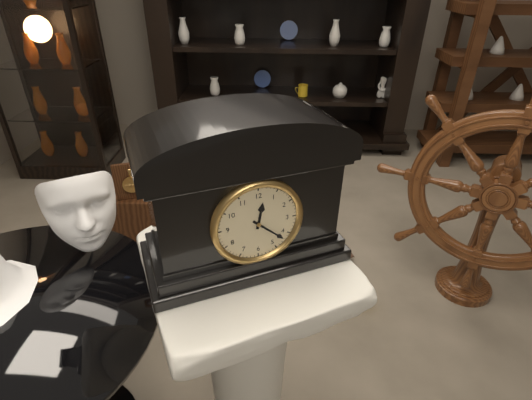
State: 12h22
